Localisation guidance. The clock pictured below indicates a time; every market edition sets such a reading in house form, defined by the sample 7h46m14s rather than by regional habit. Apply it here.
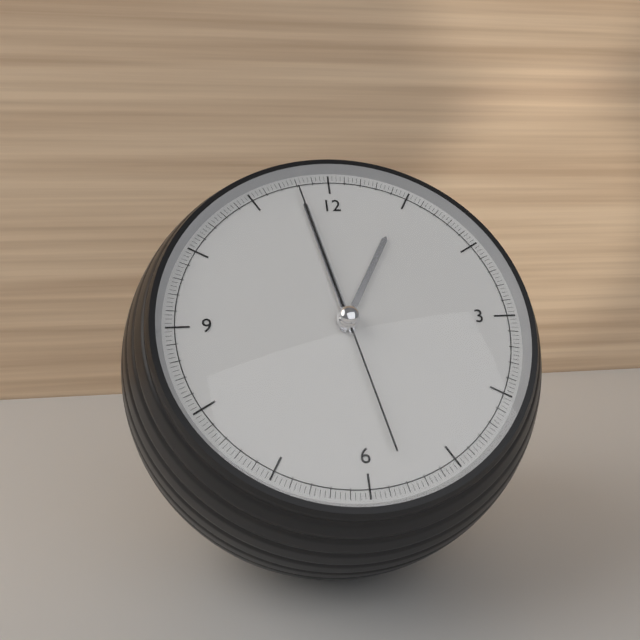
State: 12h58m58s
